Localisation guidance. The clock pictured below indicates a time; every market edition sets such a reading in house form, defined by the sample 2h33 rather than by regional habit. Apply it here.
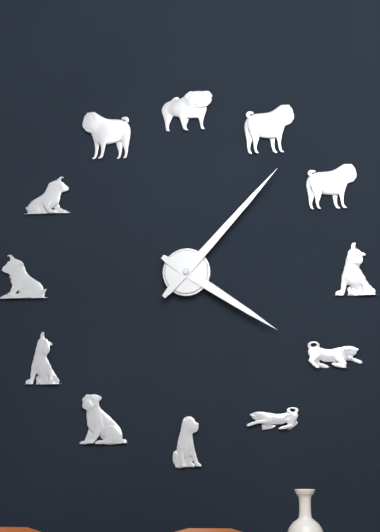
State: 4h07
